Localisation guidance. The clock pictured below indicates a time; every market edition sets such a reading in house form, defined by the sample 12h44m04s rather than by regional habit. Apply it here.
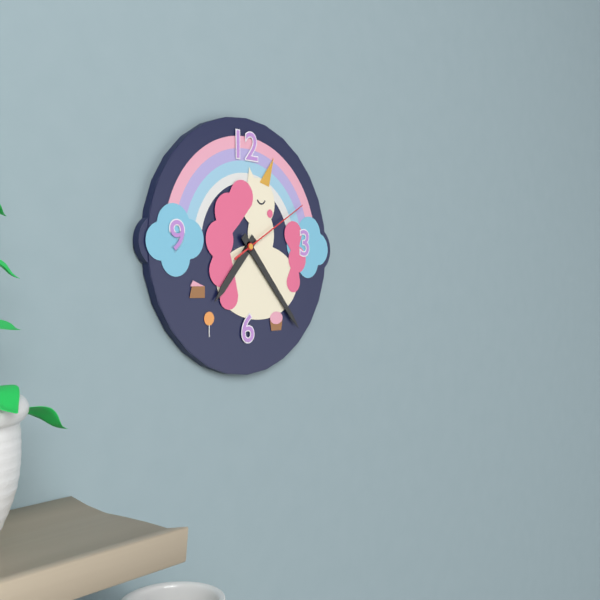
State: 7h23m10s
